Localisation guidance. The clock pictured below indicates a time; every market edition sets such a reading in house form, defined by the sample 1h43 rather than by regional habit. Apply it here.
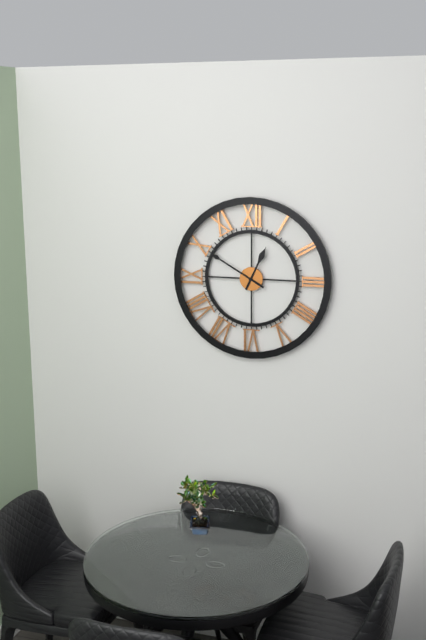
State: 12h50
